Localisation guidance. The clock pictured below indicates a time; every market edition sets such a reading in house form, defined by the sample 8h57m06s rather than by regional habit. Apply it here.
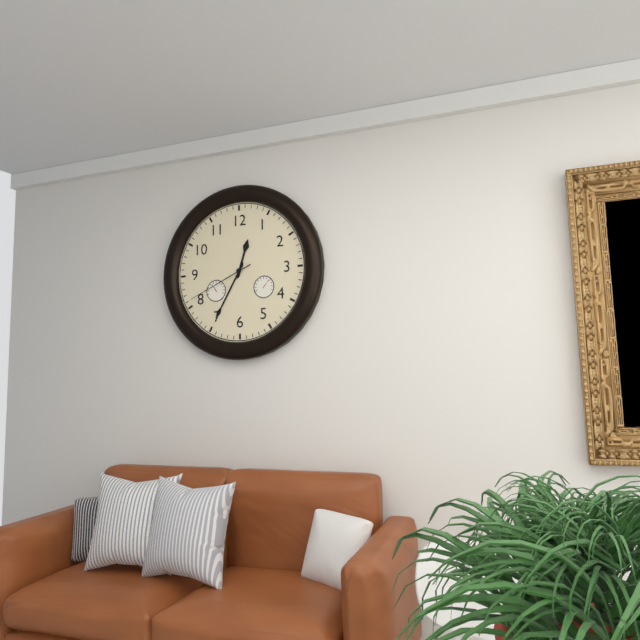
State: 12h35m41s
